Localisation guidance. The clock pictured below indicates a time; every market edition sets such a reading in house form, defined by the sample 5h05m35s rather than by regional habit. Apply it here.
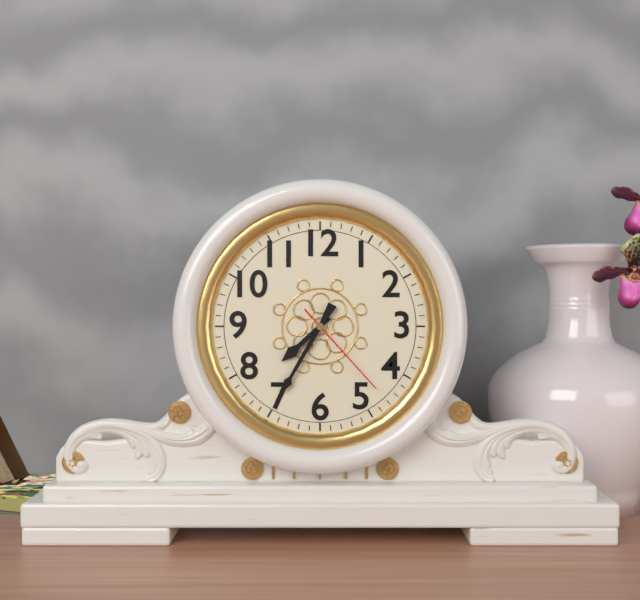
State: 7h35m23s
